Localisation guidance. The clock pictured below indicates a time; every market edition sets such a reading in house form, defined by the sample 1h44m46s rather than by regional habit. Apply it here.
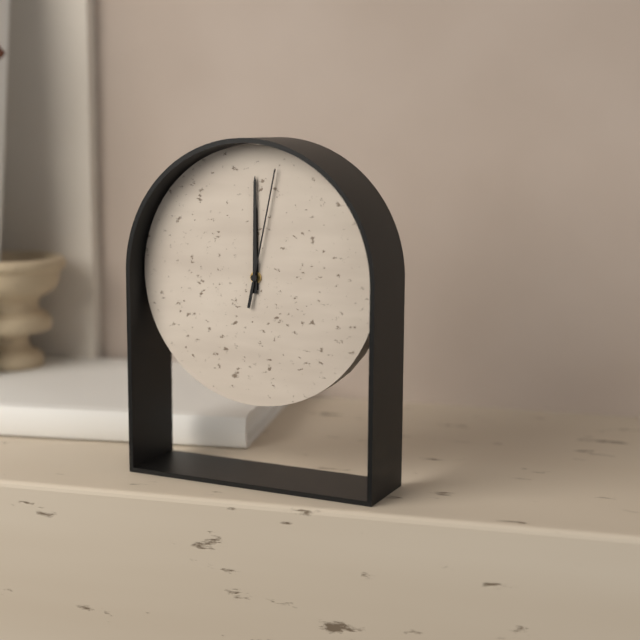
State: 12h00m02s
